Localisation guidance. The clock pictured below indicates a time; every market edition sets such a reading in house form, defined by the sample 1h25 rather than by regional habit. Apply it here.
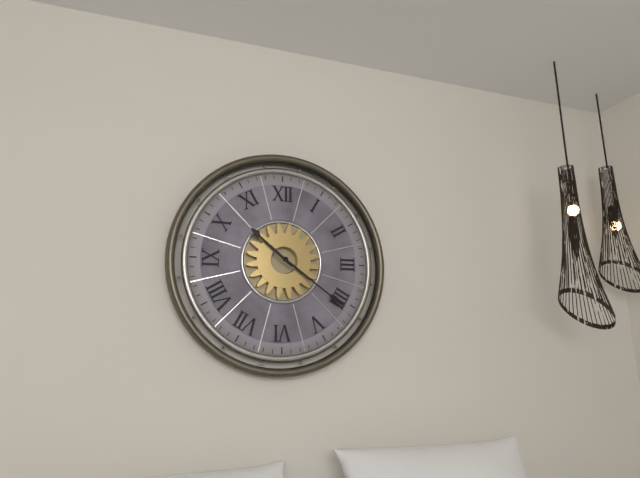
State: 10h21
